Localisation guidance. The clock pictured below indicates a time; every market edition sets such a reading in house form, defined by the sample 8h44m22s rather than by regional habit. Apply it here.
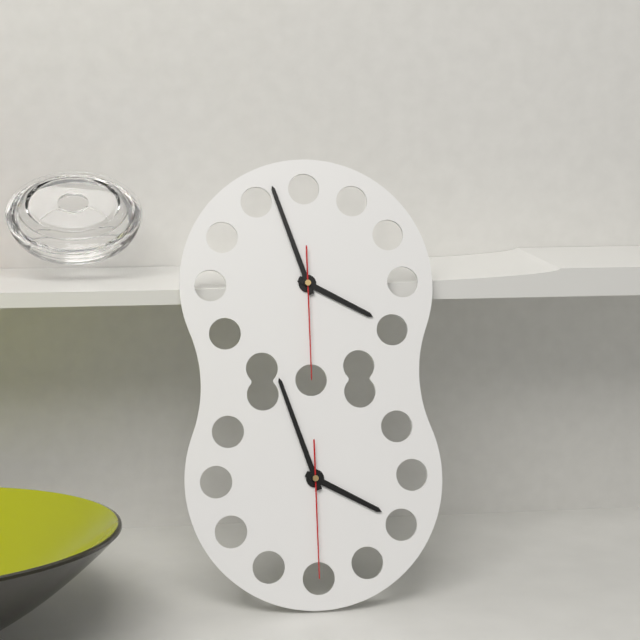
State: 3h57m30s
